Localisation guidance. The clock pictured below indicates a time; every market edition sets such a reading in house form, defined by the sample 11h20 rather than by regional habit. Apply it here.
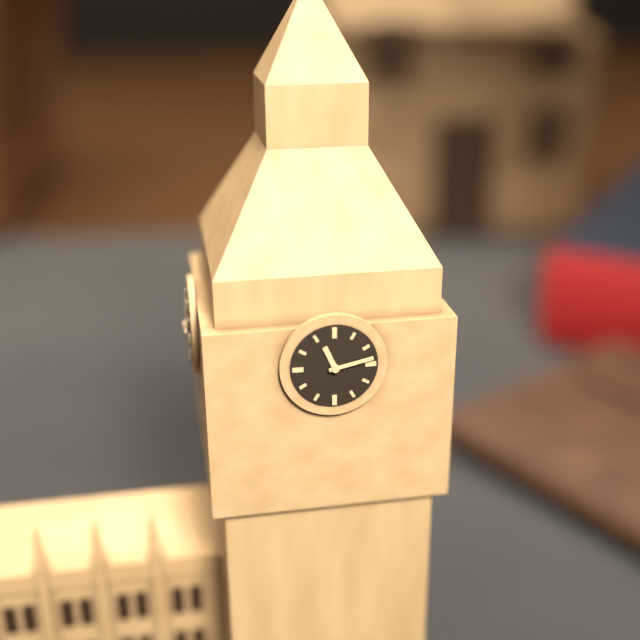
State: 11h13
